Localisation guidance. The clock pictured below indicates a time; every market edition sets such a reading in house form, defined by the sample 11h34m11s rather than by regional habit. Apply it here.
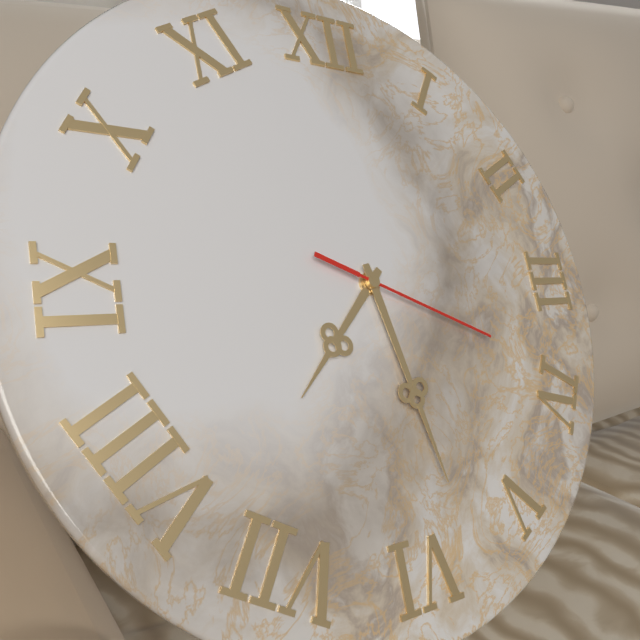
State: 7h28m19s
